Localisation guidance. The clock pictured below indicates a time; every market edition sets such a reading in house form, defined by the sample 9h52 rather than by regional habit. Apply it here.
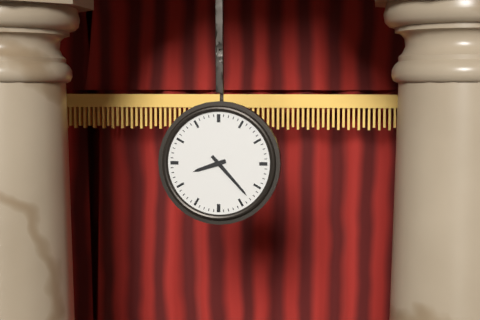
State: 8h23
